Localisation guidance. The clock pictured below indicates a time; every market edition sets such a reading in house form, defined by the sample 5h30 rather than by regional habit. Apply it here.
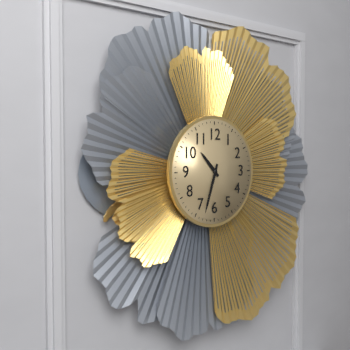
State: 10h33
